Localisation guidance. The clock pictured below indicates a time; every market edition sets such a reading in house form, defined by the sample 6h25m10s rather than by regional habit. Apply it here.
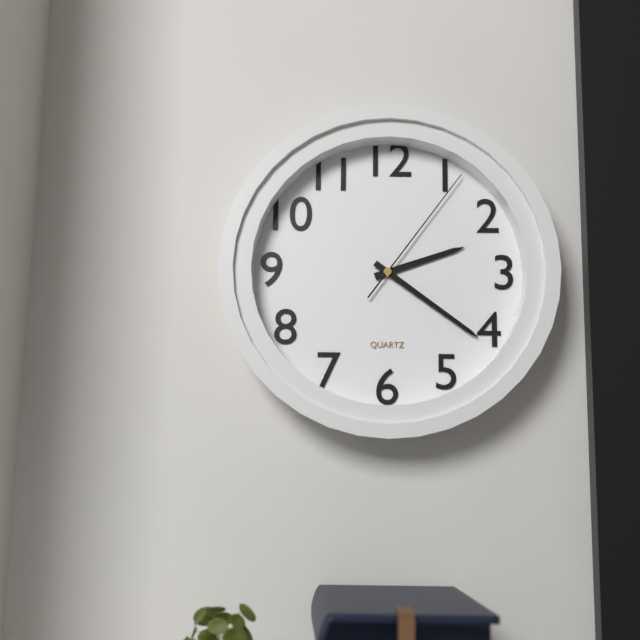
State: 2h21m06s
